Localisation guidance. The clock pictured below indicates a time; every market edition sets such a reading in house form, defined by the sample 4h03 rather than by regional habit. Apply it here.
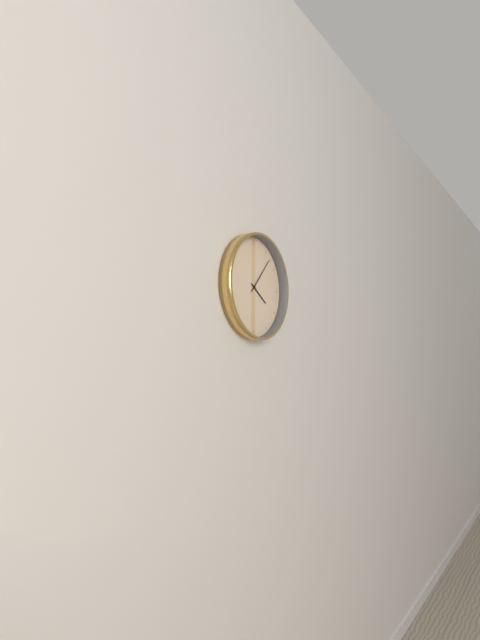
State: 4h07
